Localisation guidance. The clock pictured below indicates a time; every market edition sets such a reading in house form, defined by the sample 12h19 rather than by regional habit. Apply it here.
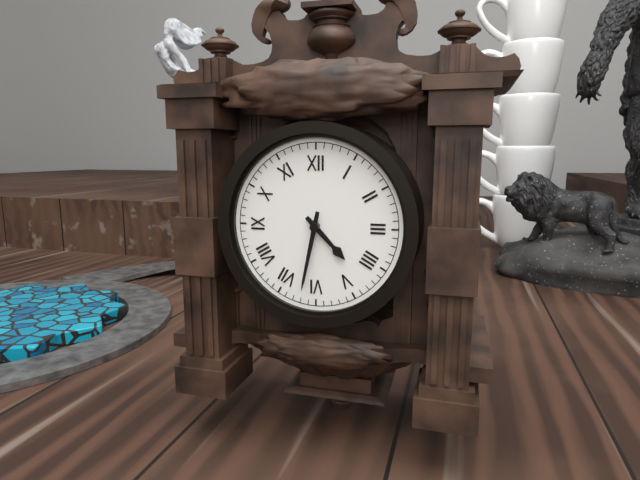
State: 4h32
